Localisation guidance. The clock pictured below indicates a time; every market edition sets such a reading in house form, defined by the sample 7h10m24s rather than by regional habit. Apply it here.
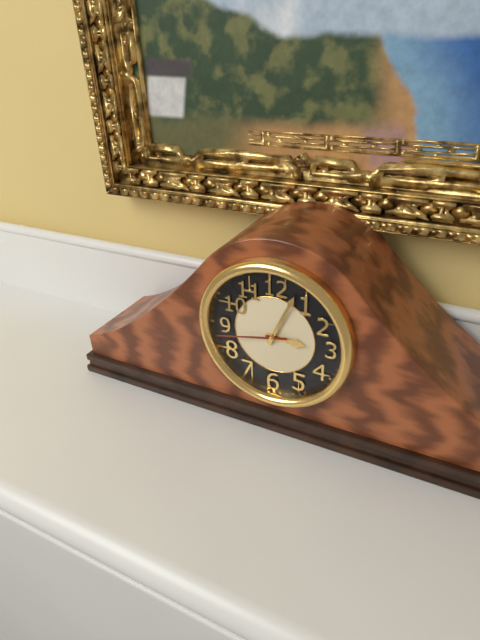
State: 3h04m43s
